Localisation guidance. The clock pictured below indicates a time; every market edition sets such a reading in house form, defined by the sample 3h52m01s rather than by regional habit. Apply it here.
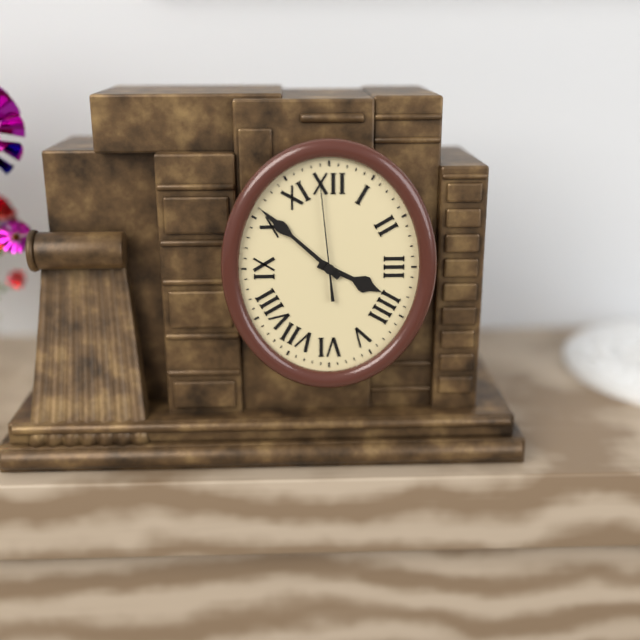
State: 3h52m59s
